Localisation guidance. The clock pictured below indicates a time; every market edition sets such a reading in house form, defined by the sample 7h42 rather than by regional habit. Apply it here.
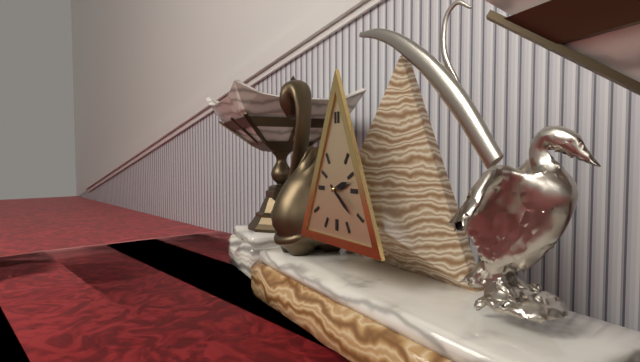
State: 2h21
